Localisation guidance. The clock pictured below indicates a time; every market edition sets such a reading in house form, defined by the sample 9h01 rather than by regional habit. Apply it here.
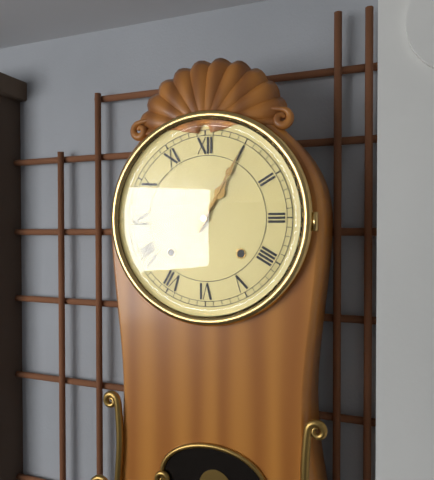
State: 1h05
